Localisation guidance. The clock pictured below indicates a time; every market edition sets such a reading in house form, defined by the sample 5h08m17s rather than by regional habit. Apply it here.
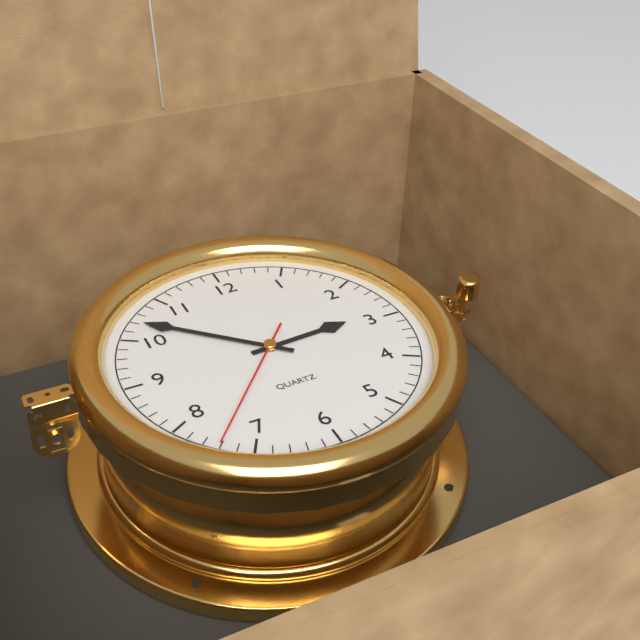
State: 2h52m37s
